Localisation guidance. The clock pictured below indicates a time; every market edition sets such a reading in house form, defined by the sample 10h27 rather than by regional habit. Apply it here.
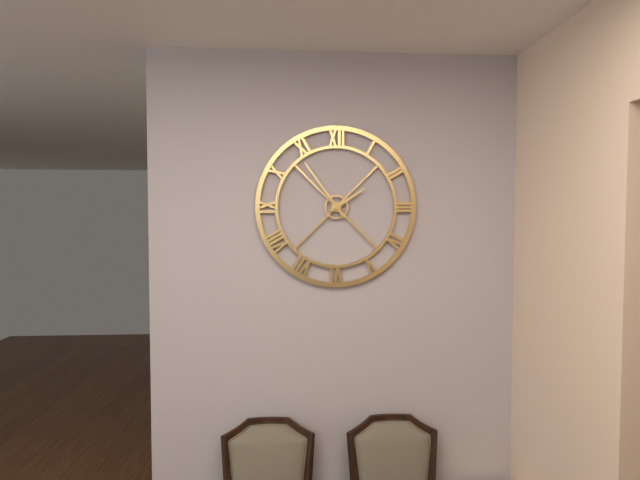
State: 1h54
